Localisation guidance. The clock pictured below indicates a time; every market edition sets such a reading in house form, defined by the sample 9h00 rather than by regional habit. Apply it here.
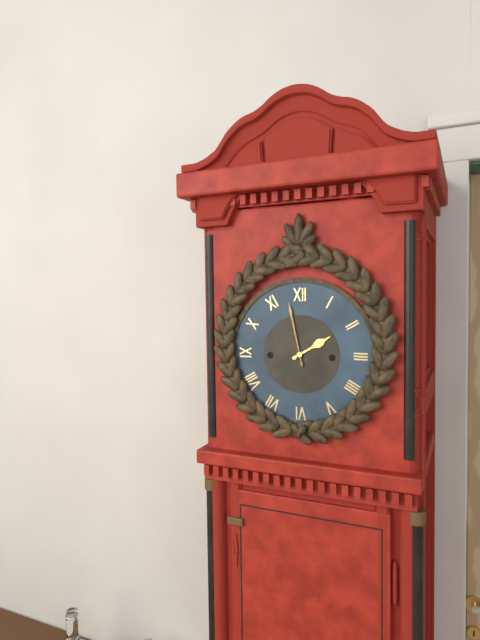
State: 1h58
